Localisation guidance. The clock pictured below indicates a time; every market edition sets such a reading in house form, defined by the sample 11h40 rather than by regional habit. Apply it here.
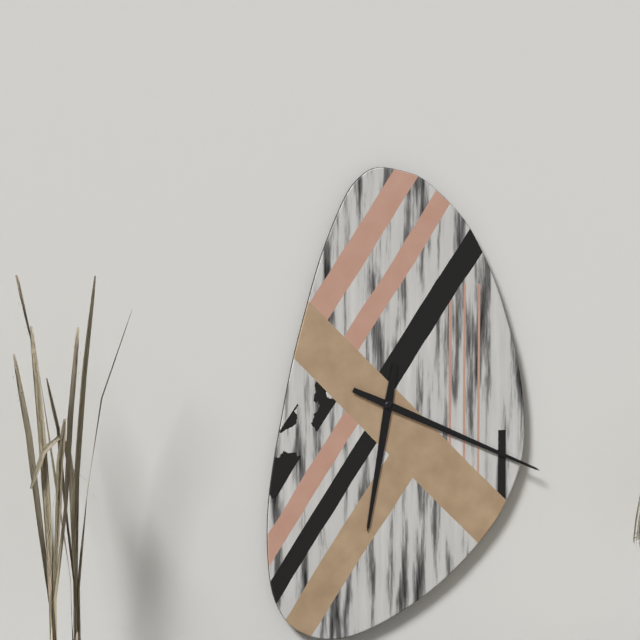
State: 6h19
